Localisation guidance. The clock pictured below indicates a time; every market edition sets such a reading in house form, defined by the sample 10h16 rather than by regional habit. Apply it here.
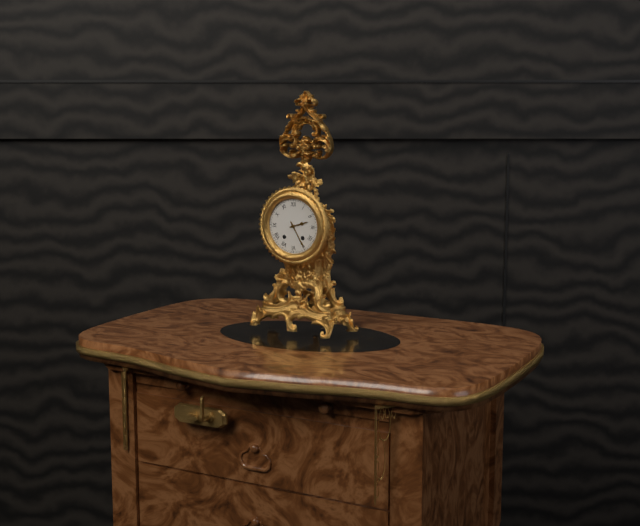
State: 2h25
